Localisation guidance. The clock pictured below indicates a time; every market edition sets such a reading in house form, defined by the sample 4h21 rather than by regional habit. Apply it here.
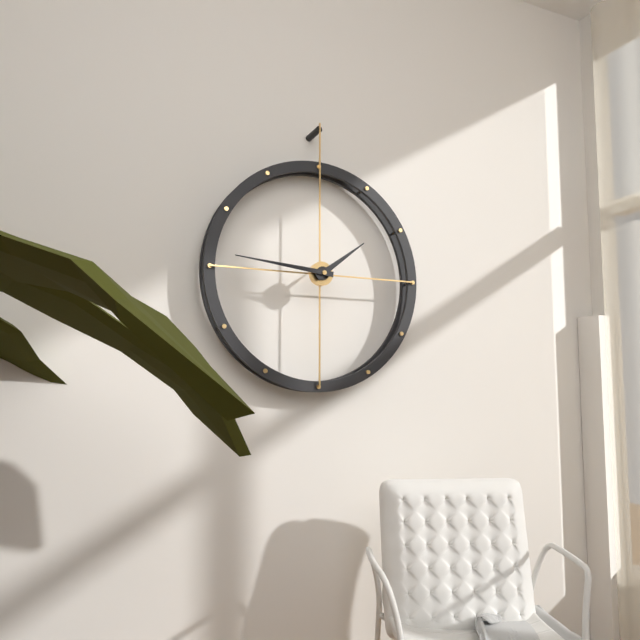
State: 1h46
